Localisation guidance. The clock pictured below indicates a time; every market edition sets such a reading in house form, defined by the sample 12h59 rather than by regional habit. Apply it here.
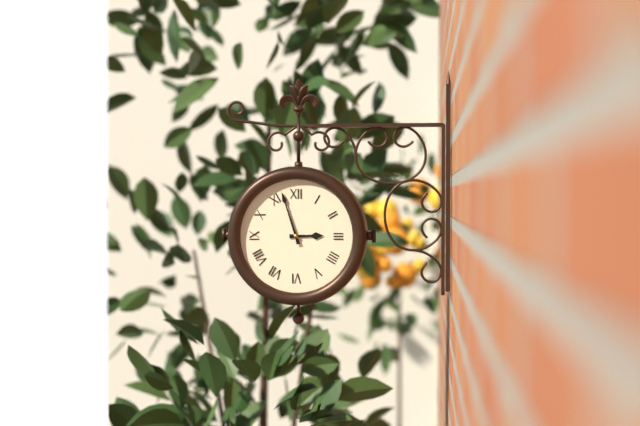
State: 2h57
